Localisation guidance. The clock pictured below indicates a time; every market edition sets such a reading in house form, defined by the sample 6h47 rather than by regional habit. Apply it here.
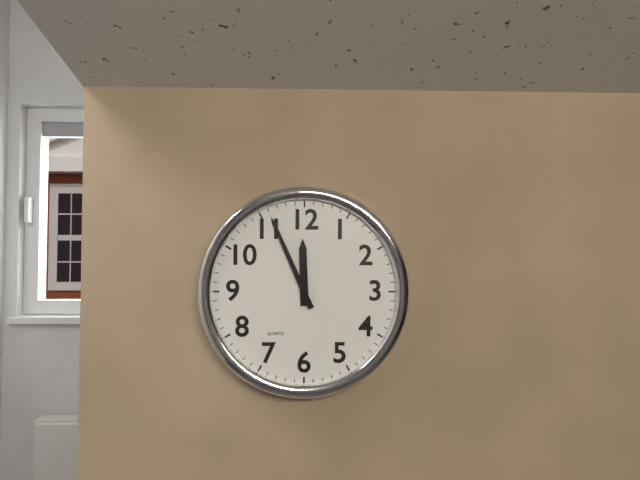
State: 11h56
